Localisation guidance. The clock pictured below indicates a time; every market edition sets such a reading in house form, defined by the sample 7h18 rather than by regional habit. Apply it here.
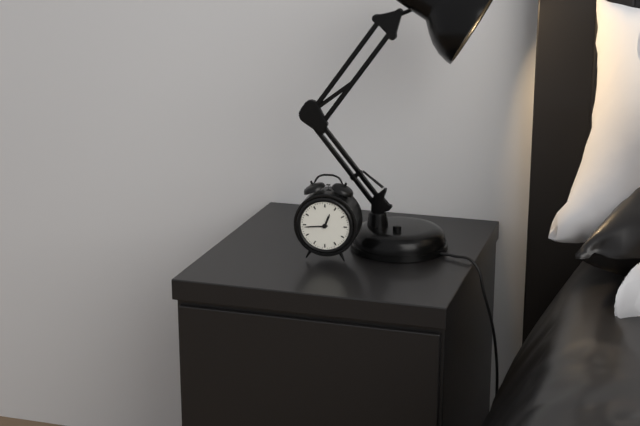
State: 12h44
